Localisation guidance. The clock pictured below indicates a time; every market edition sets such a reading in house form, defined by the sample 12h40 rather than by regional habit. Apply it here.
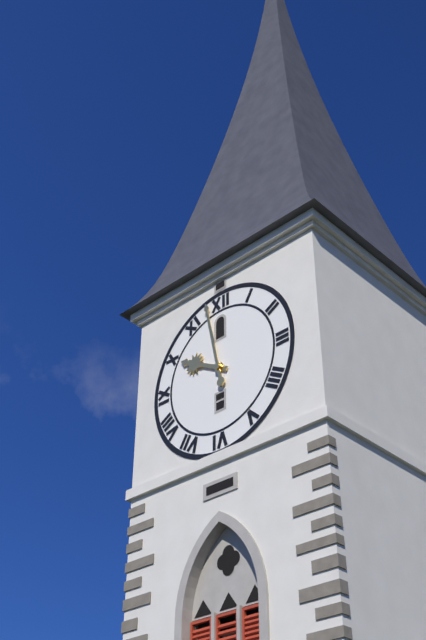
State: 9h58
